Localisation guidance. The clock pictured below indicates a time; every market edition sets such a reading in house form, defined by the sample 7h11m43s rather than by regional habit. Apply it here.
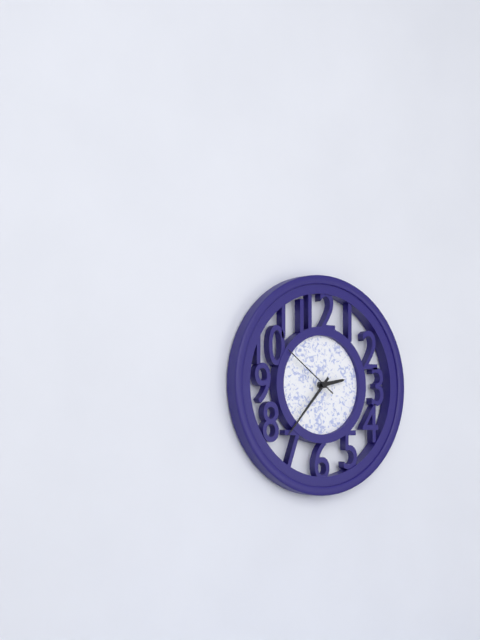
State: 2h37m51s
